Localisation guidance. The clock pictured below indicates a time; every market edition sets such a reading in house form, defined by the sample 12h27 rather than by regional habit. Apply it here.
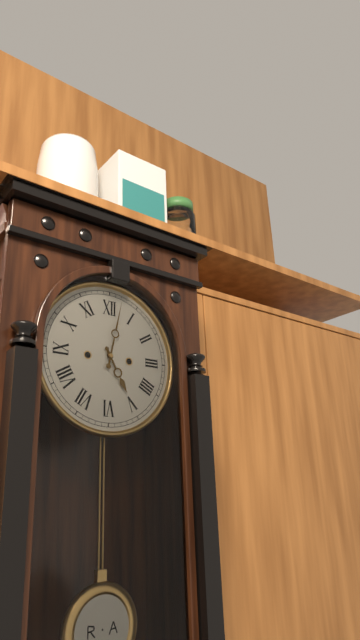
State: 5h02
